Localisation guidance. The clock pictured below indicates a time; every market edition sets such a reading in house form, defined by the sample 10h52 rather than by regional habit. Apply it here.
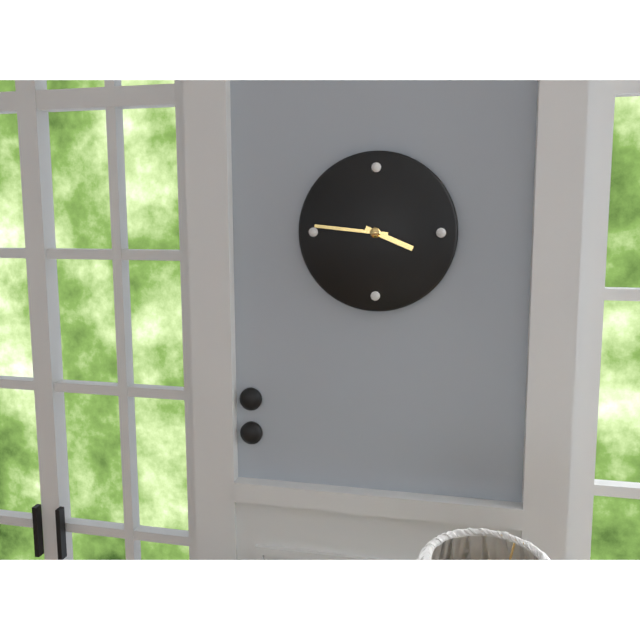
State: 3h46
